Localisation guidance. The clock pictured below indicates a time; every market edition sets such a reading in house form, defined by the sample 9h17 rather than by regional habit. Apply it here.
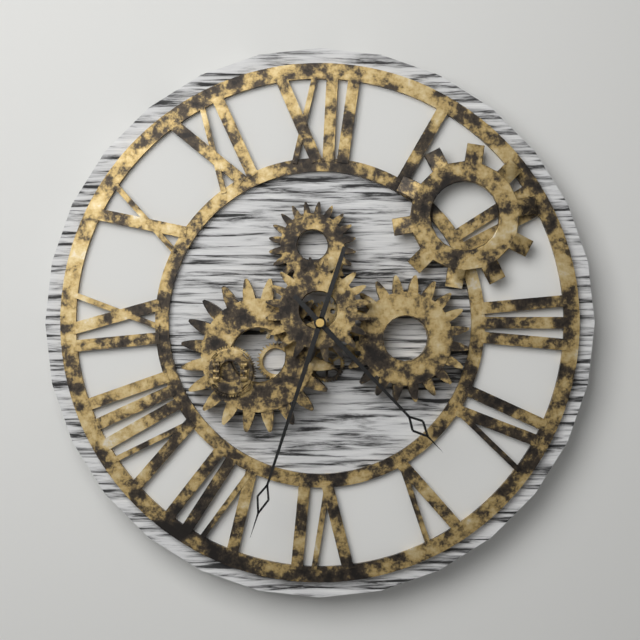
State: 4h33
